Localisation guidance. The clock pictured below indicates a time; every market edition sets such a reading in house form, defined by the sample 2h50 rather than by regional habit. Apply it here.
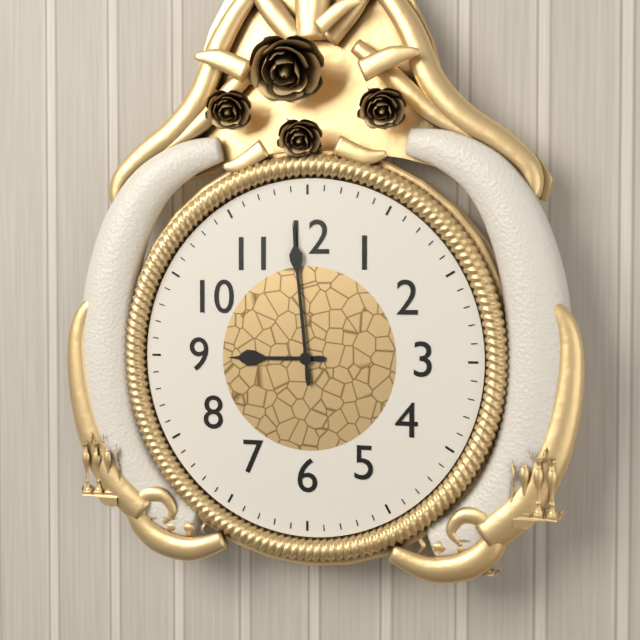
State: 8h59
